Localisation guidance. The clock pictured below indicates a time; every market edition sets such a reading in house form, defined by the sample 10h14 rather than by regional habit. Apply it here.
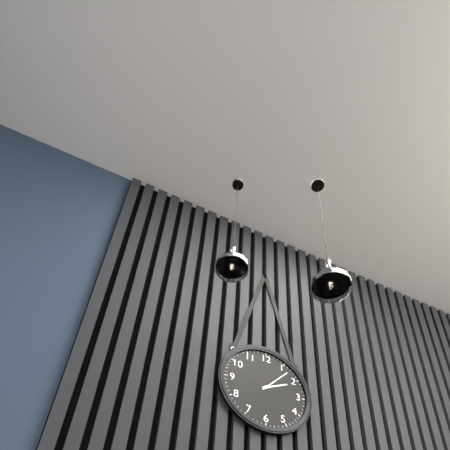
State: 2h07
